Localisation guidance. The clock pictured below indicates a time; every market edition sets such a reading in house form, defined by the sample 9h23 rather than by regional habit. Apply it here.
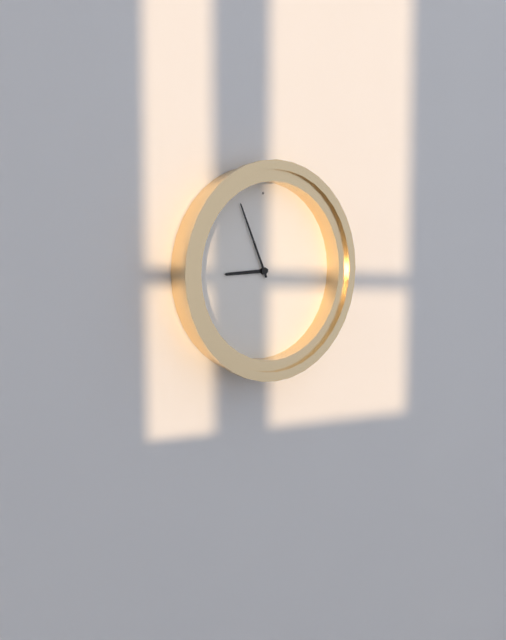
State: 8h56
